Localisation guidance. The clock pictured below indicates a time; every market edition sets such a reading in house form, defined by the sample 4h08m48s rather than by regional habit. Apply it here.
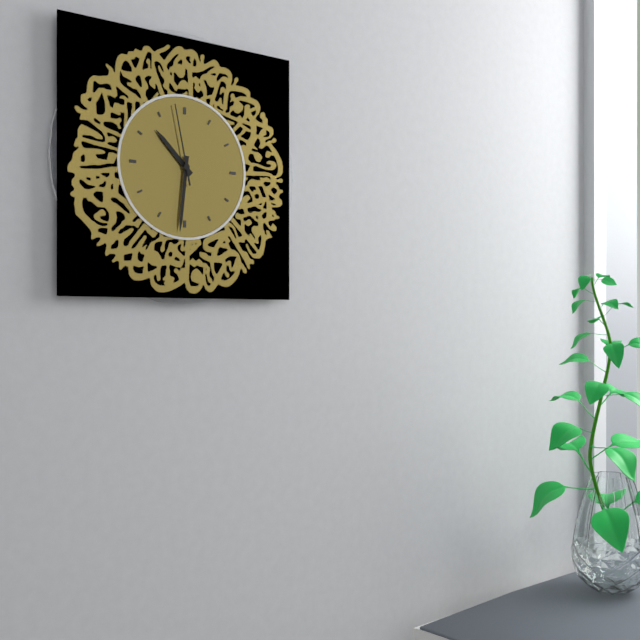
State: 10h31m58s
